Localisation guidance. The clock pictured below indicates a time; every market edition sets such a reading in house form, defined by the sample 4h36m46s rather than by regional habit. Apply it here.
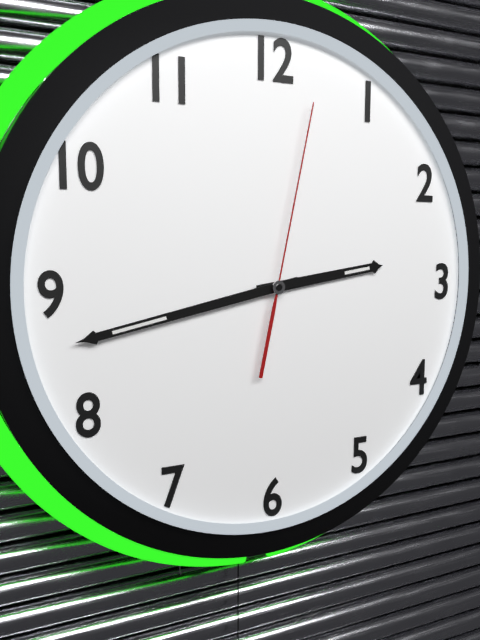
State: 2h43m02s
